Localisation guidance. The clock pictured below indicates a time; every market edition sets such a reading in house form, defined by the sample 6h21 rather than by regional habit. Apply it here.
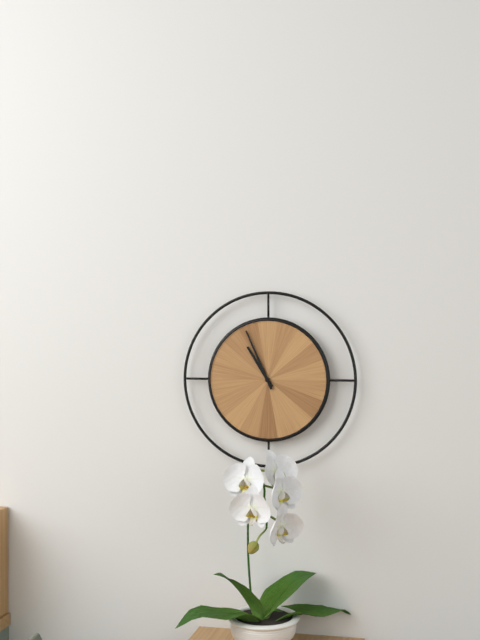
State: 10h56
